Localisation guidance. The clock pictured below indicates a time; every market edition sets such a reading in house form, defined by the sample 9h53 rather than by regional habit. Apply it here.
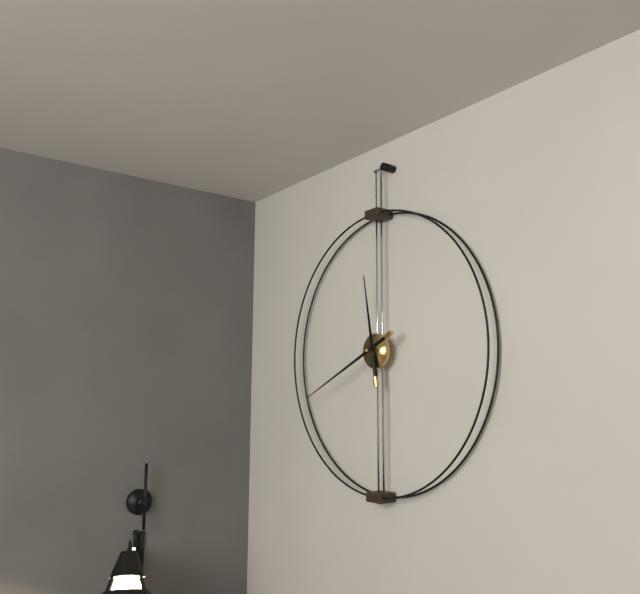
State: 11h41
